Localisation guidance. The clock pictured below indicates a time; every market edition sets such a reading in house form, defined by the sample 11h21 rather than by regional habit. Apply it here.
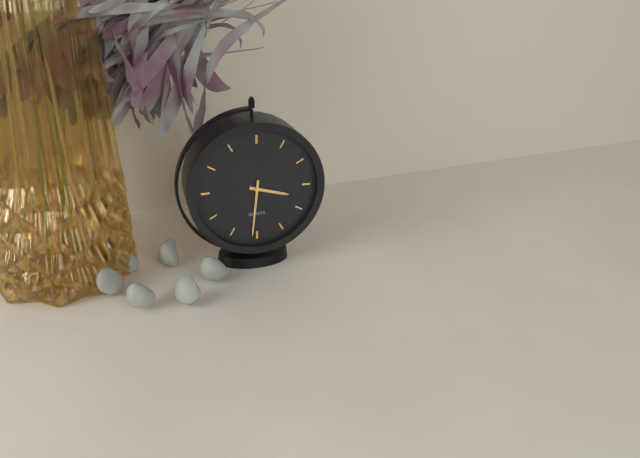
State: 3h31
